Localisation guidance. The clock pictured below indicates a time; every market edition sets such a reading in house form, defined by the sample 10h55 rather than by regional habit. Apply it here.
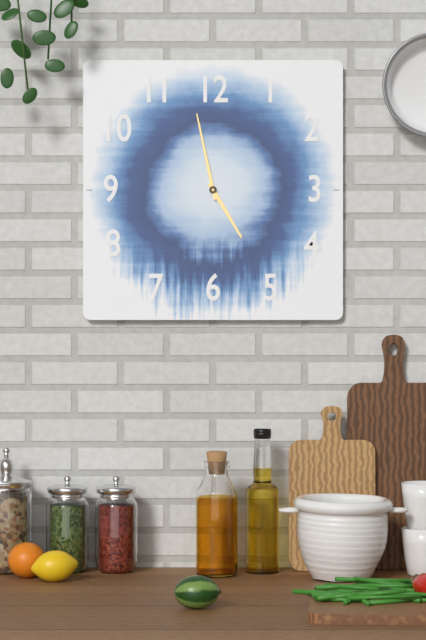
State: 4h58
